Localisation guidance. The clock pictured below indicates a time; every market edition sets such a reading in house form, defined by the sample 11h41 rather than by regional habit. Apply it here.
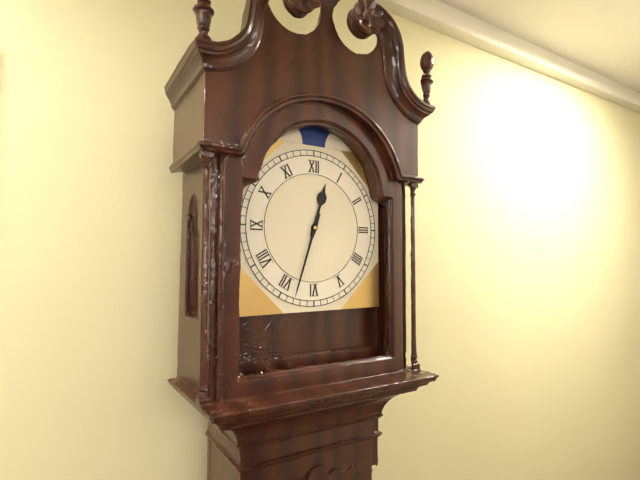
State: 12h33
